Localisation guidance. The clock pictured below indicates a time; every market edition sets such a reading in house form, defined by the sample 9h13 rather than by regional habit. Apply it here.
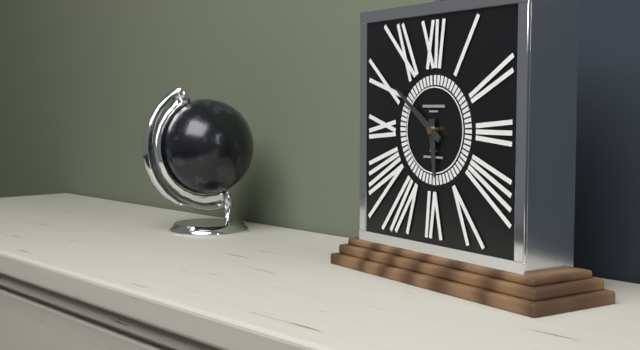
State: 5h51
